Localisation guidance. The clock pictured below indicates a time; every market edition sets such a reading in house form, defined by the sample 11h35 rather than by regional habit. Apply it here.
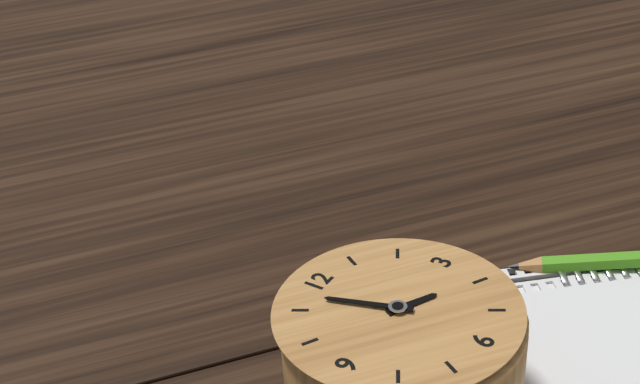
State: 3h57
